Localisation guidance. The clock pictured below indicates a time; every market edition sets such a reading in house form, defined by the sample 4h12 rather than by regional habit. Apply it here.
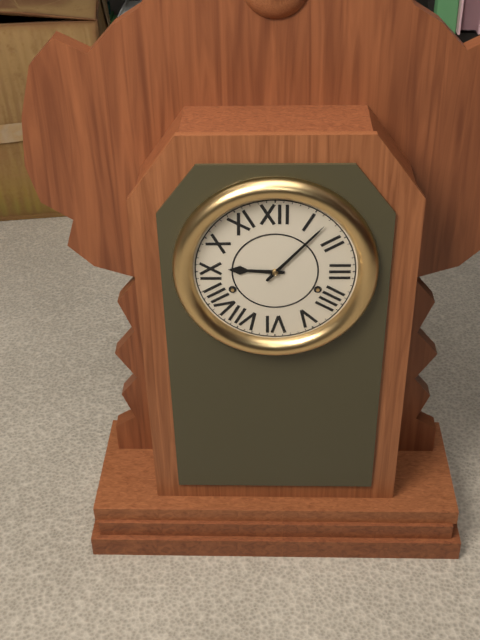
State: 9h07
